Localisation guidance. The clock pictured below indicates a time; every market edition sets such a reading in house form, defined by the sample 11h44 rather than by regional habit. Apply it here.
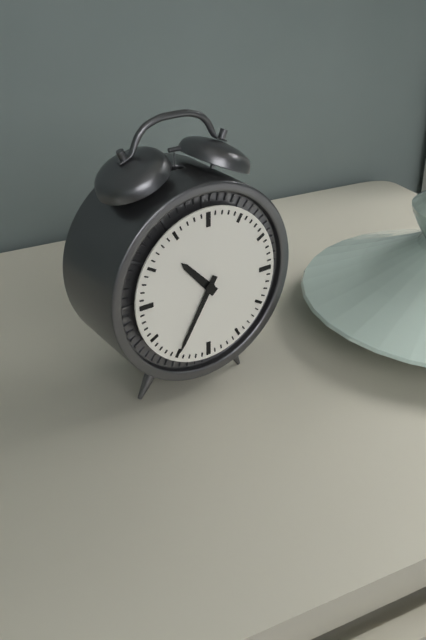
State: 10h35
